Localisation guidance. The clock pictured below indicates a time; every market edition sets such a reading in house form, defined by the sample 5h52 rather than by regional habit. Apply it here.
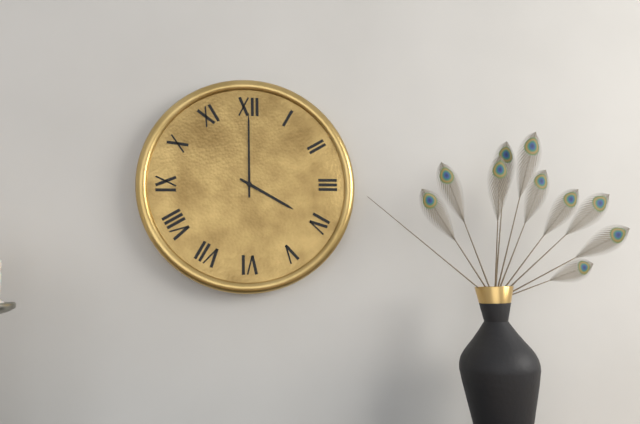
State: 4h00
